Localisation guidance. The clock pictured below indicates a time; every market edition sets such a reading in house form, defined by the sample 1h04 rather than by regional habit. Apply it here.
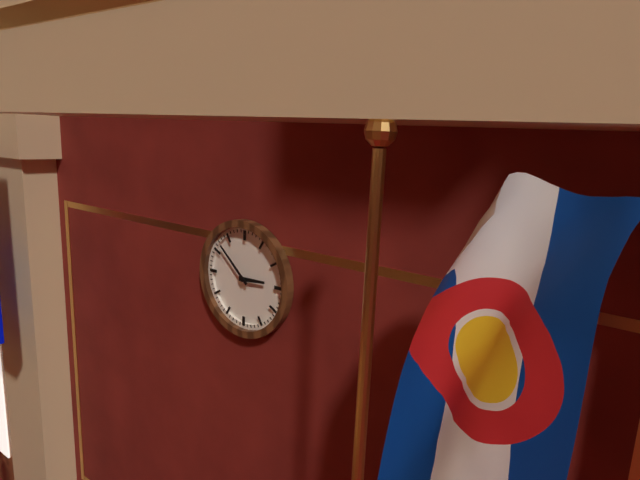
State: 2h52
